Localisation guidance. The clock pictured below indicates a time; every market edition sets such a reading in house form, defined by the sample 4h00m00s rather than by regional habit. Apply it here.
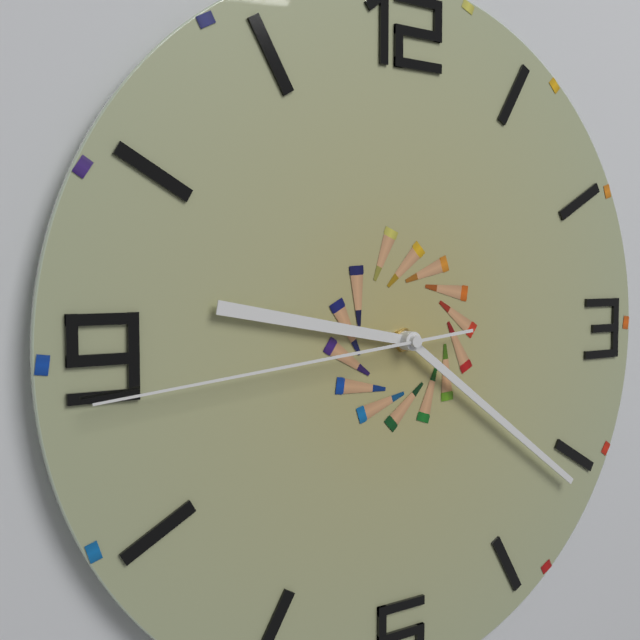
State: 9h21m44s
